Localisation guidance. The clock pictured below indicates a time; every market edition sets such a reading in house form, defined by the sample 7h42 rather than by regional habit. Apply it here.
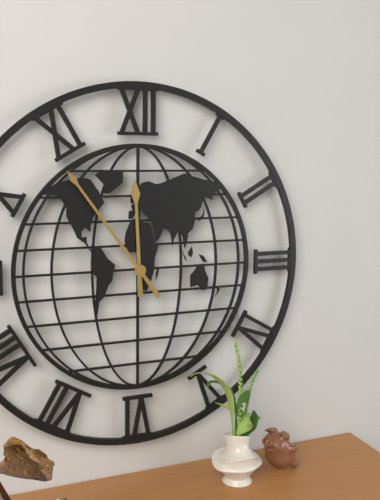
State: 11h54
